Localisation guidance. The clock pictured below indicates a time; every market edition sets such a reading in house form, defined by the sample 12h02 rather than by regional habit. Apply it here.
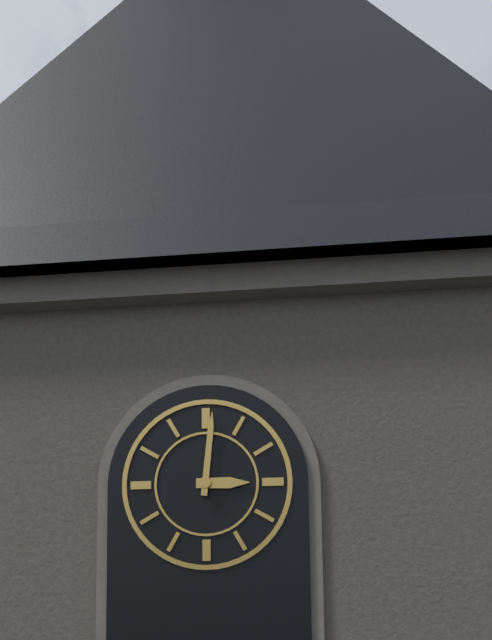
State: 3h01
